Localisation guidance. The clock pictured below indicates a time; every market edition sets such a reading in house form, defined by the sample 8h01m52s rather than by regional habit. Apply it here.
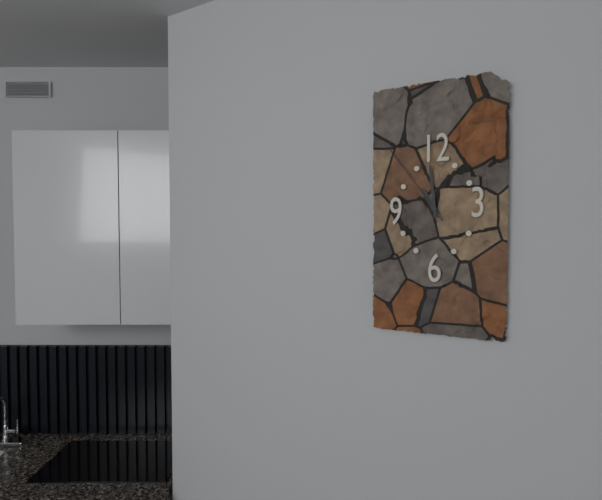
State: 10h59m54s
